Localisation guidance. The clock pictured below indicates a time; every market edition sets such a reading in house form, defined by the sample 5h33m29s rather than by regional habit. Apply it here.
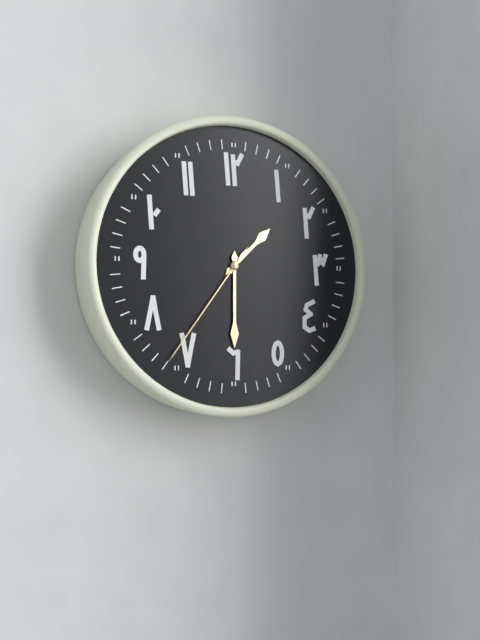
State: 1h30m36s
